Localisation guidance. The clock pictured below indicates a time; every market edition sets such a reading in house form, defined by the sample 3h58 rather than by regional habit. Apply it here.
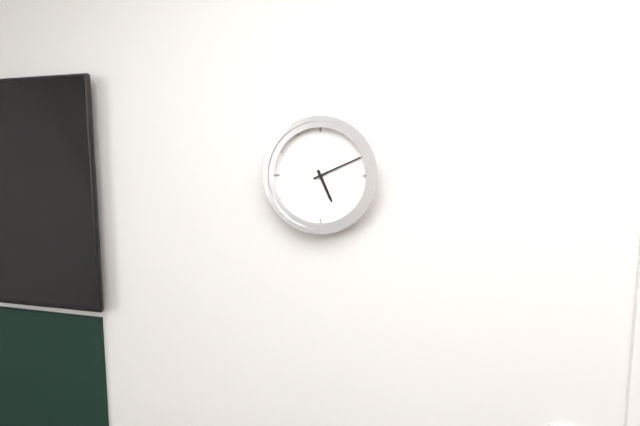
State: 5h11
